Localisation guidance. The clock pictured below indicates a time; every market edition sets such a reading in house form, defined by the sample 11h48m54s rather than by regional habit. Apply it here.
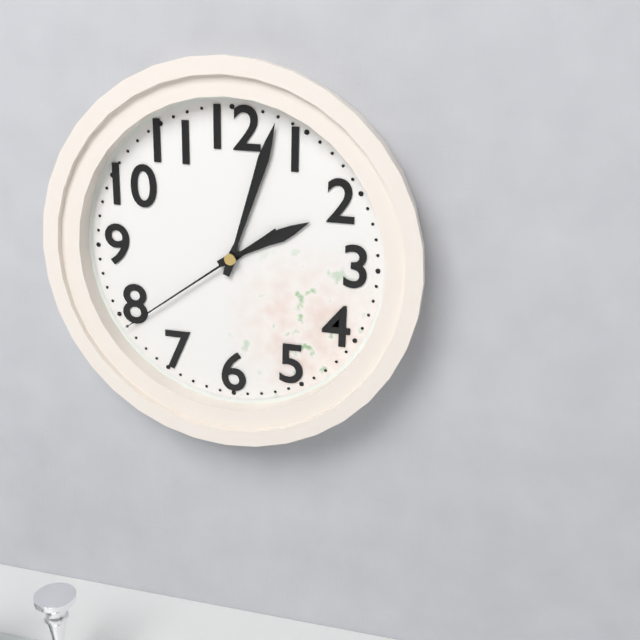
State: 2h03m39s
